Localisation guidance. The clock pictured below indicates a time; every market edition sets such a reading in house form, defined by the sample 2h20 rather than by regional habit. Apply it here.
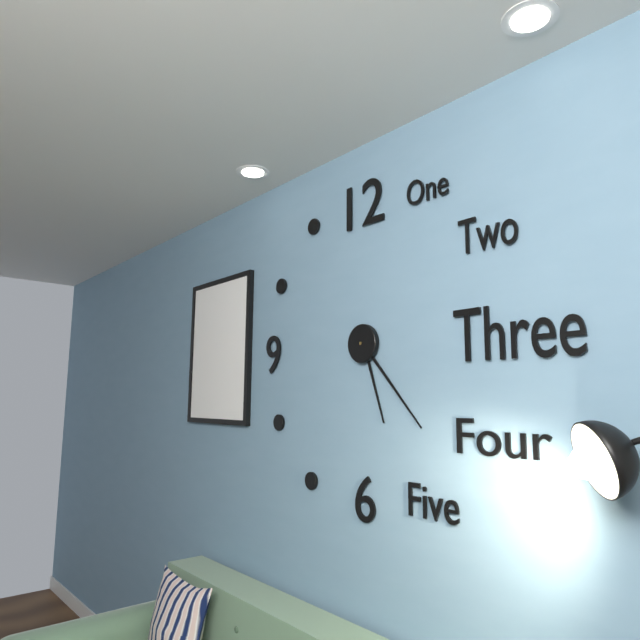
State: 5h23
